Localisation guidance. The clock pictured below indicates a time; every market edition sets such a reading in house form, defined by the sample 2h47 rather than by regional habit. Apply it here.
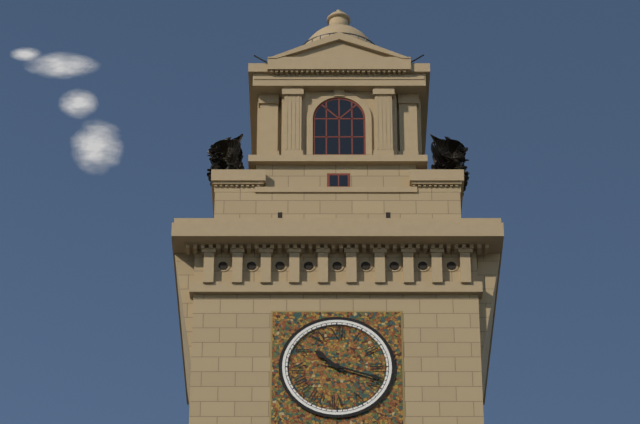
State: 10h18
